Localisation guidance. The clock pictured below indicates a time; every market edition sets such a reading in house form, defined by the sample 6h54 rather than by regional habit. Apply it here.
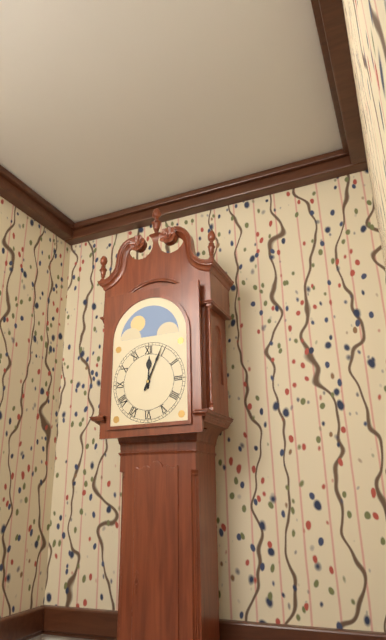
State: 12h04
